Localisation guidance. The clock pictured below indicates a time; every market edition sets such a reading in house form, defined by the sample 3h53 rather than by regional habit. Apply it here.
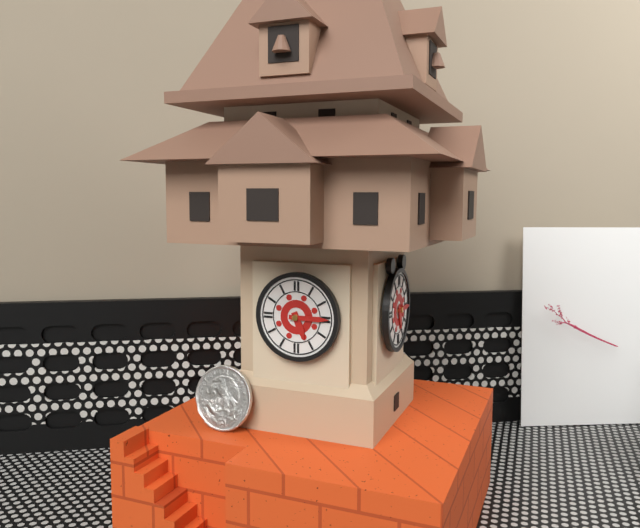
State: 5h15
